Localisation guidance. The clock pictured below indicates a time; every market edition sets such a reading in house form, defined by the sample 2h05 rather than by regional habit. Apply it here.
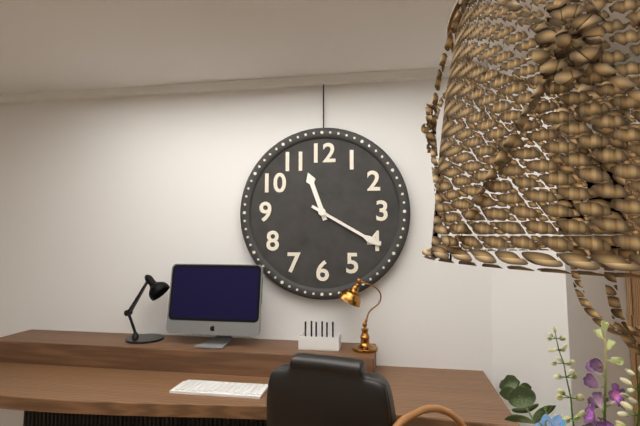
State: 11h20
